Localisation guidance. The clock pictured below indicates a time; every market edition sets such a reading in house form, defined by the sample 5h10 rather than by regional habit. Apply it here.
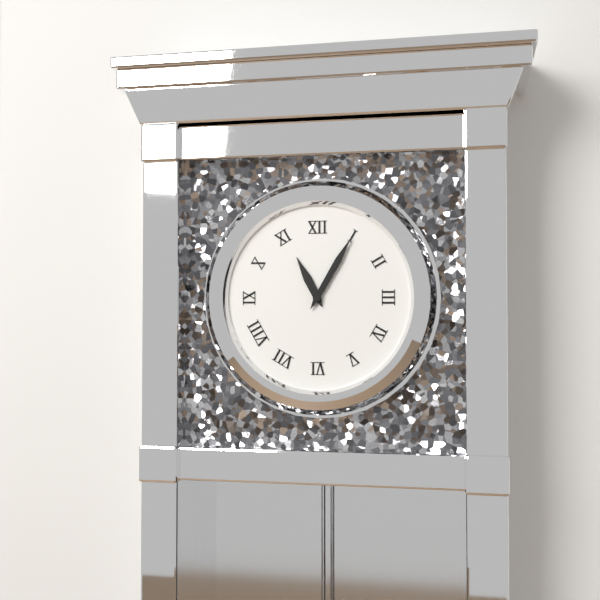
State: 11h05
